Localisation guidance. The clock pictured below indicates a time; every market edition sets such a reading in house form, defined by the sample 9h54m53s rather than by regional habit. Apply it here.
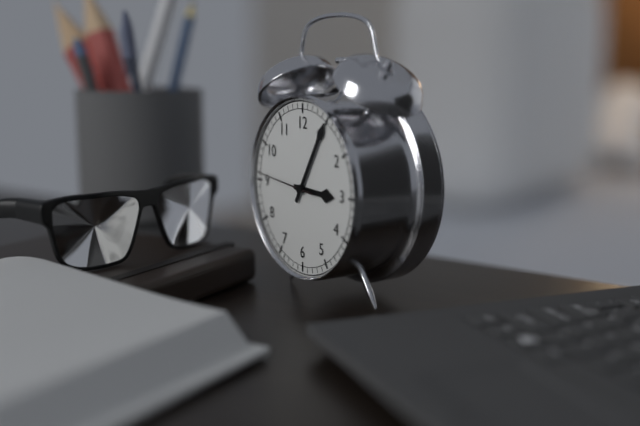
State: 3h05m46s
